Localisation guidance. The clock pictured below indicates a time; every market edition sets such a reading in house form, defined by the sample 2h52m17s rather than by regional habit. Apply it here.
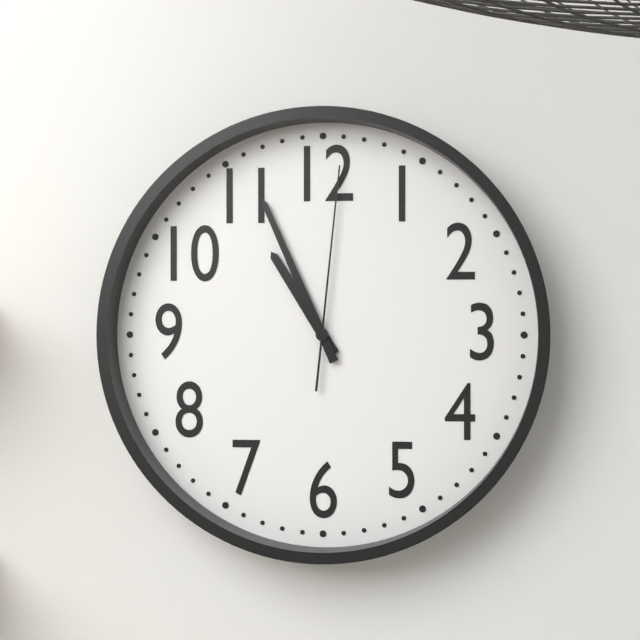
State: 10h56m01s
